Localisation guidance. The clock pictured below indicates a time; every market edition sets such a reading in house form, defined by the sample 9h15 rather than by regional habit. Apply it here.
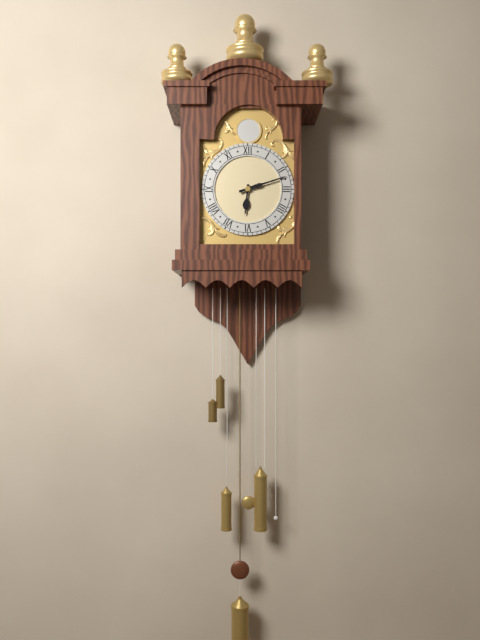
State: 6h12
